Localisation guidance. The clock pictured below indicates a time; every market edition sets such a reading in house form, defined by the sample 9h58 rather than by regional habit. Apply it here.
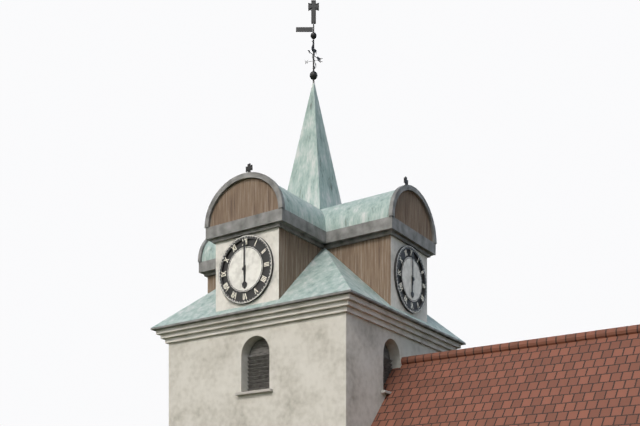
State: 6h00
